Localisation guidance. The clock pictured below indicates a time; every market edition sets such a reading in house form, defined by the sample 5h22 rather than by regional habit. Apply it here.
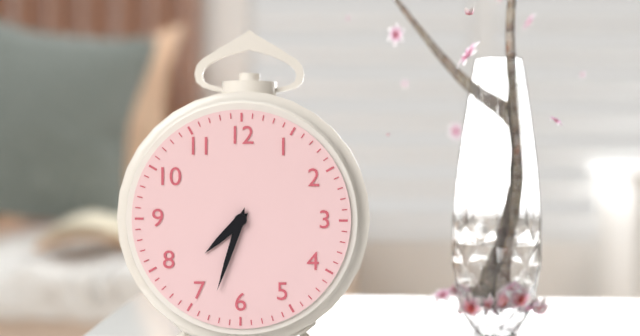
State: 7h33
